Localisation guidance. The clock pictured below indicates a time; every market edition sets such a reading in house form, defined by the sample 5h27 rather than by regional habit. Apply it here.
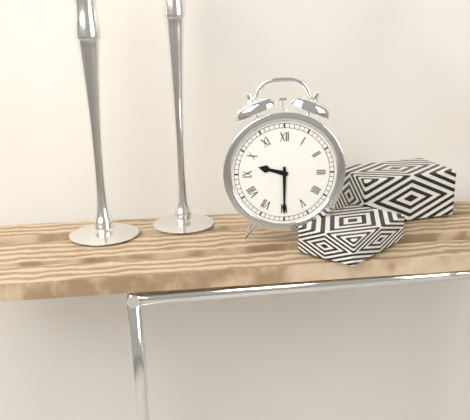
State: 9h30
